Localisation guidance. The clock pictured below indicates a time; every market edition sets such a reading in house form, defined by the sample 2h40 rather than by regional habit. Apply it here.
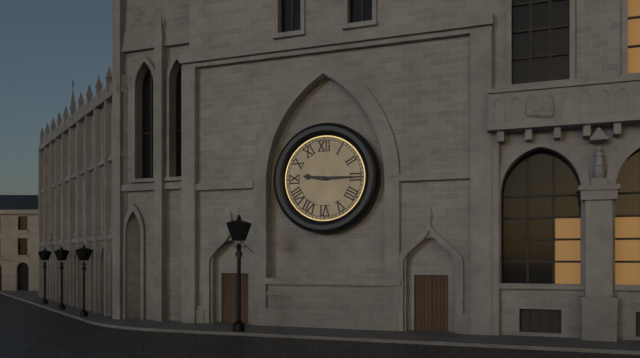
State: 9h15
